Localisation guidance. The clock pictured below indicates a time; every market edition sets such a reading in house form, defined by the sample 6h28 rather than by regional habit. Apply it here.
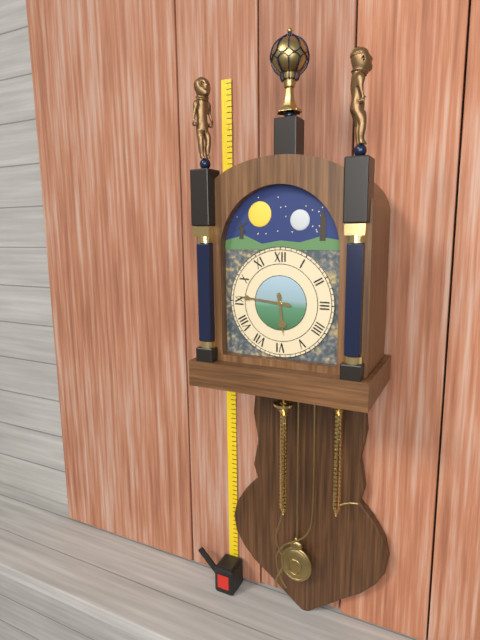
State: 5h46
